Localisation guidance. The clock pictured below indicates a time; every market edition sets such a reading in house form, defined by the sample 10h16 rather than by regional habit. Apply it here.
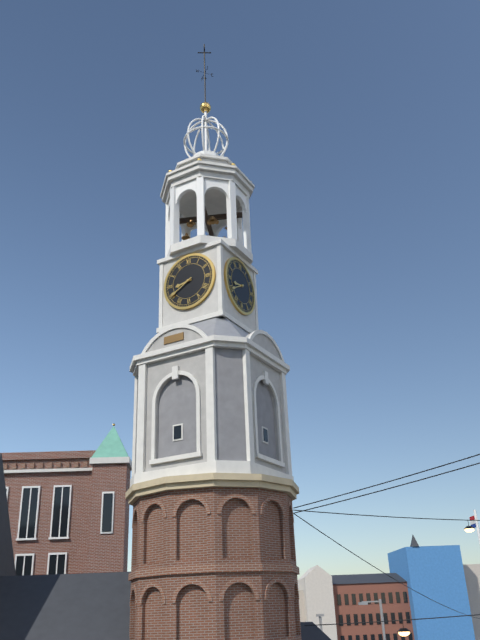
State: 8h40
